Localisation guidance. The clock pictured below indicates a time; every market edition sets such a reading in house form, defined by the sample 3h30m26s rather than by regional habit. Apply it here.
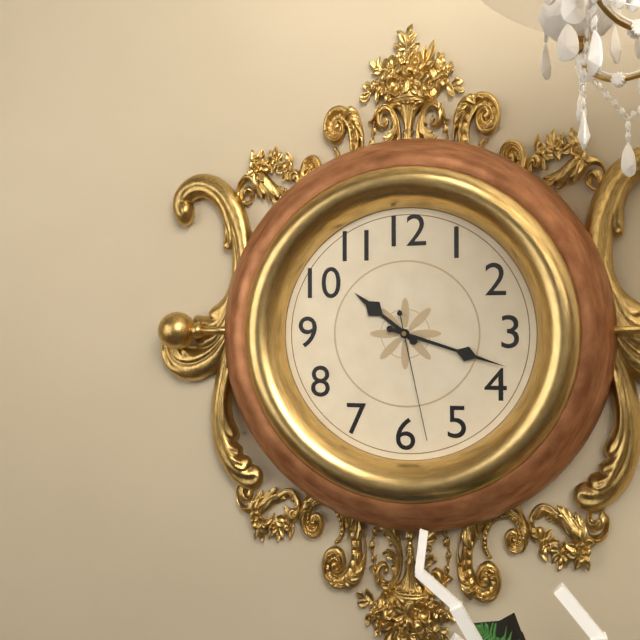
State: 10h18m28s
